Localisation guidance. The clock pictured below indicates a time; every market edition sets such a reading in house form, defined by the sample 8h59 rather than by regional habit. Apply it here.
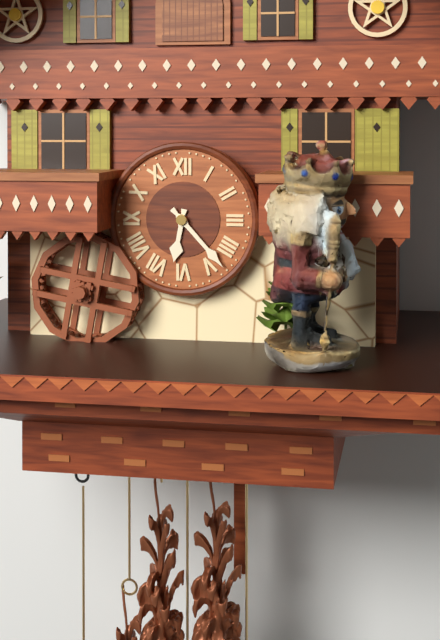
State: 6h23
